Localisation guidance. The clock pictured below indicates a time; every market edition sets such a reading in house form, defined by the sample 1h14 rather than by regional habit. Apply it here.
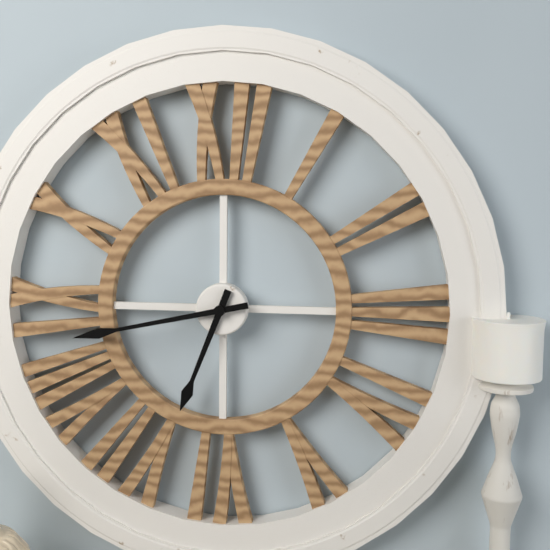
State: 6h43
